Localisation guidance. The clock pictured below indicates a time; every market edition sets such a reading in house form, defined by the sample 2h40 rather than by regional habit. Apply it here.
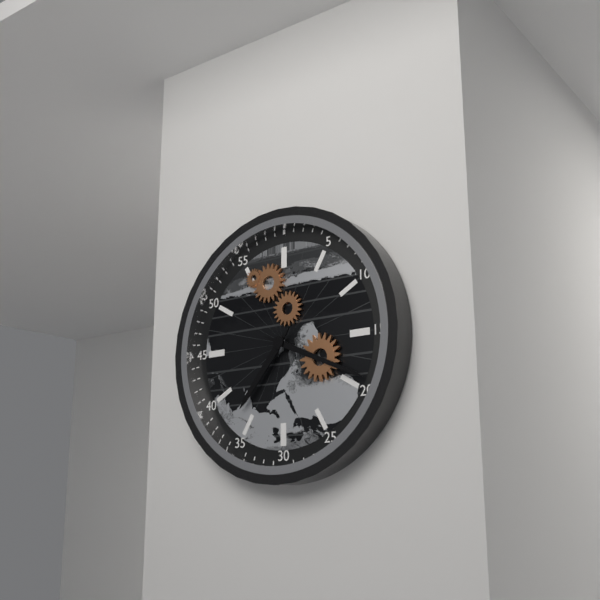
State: 7h19
